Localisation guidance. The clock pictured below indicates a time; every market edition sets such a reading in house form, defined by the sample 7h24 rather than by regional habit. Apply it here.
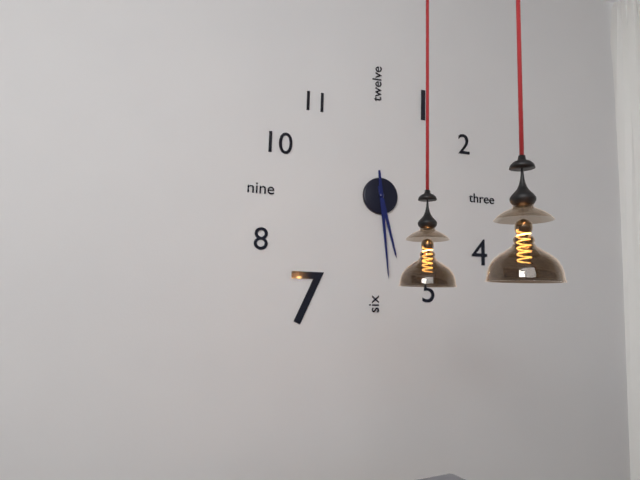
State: 5h29
